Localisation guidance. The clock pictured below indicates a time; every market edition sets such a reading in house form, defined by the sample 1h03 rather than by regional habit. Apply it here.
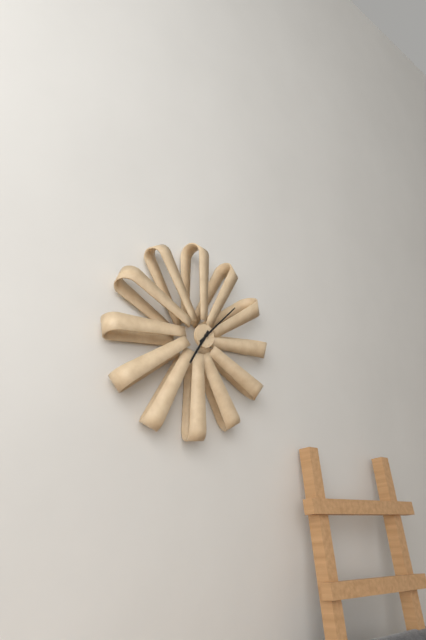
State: 7h08
